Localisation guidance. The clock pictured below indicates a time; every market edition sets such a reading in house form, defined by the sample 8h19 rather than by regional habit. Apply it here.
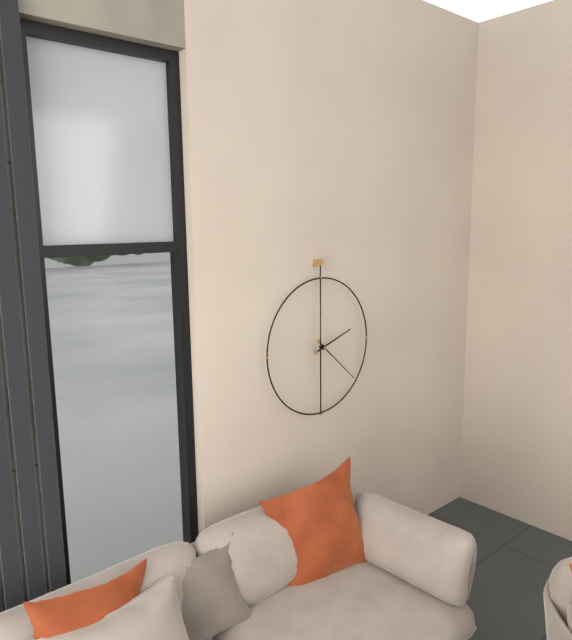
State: 2h22
